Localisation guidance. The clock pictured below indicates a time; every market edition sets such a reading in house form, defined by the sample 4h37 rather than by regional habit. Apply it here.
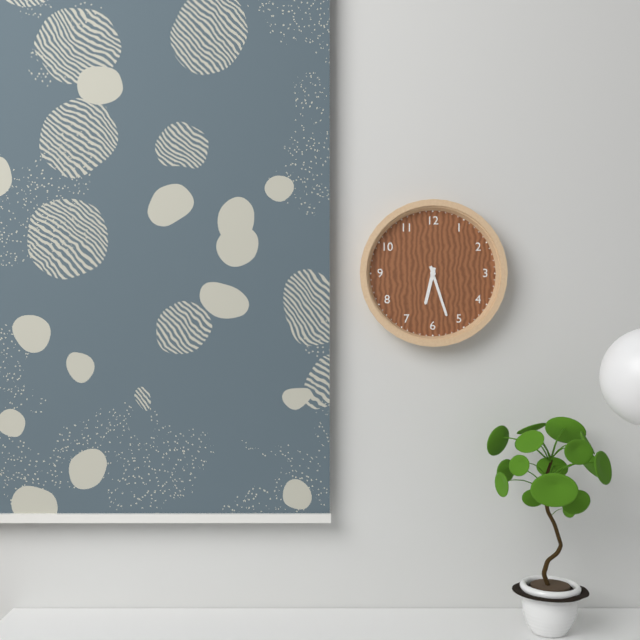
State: 6h27
